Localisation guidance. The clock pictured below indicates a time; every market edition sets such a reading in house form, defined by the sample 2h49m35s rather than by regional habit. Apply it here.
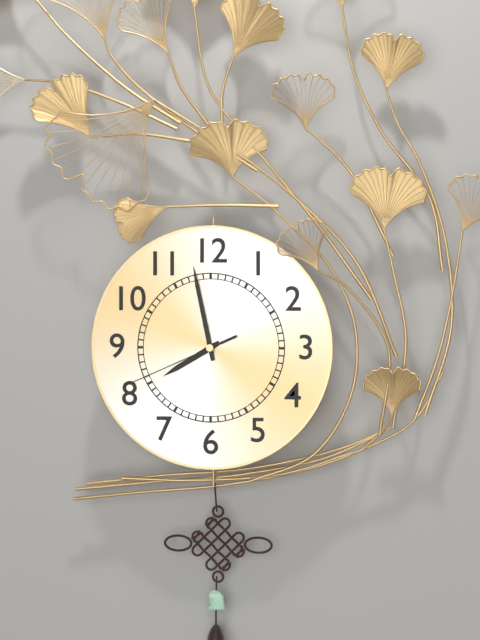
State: 7h58m41s
